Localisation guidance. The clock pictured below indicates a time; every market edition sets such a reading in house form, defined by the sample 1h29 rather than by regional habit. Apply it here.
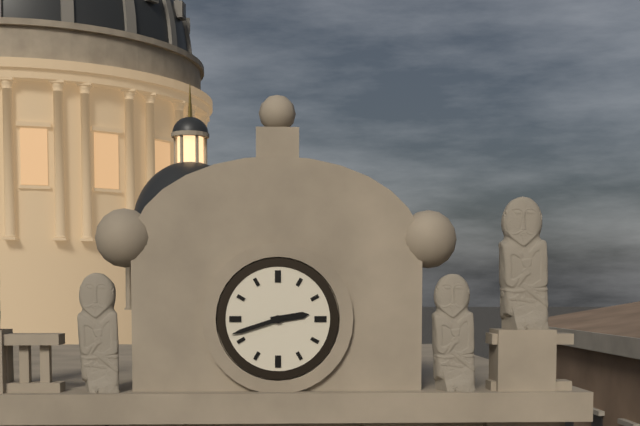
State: 2h42
